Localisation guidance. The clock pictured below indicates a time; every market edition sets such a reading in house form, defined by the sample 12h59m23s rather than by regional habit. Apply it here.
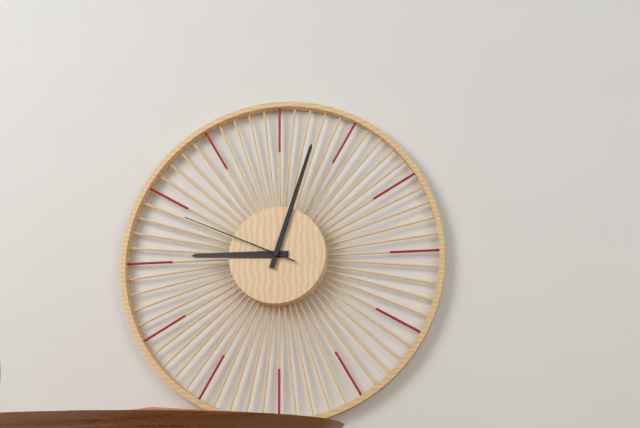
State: 9h03m49s
